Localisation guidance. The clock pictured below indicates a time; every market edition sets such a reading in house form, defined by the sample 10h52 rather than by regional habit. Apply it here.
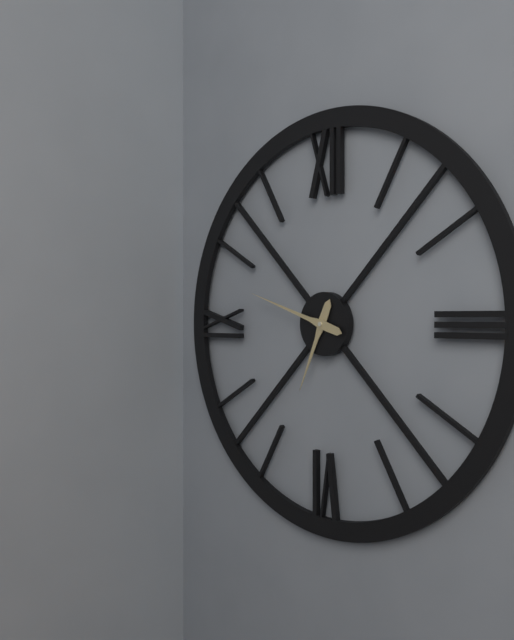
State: 6h48
